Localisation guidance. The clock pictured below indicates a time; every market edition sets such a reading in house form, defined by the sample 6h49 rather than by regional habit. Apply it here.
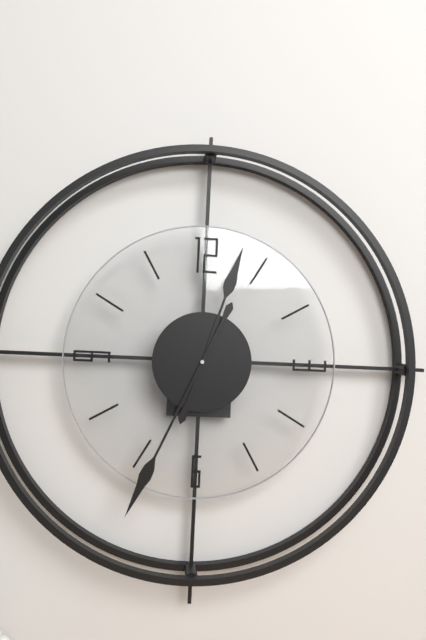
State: 12h34
